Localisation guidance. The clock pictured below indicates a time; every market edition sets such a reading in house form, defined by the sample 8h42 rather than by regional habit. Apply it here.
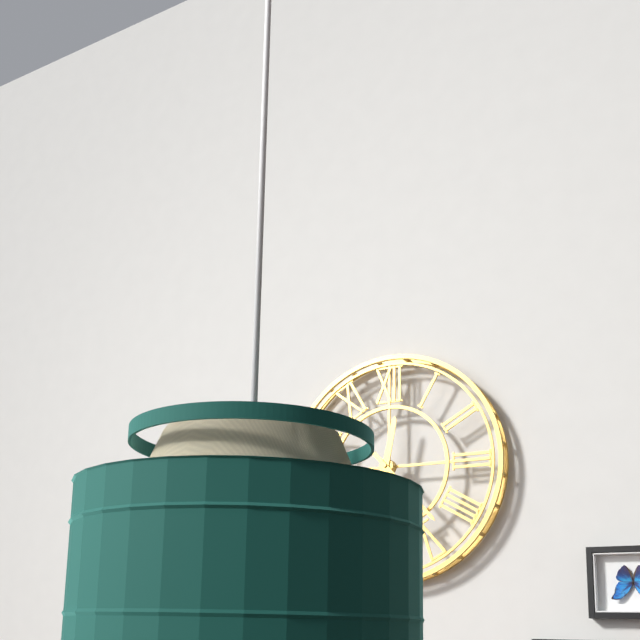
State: 12h23
